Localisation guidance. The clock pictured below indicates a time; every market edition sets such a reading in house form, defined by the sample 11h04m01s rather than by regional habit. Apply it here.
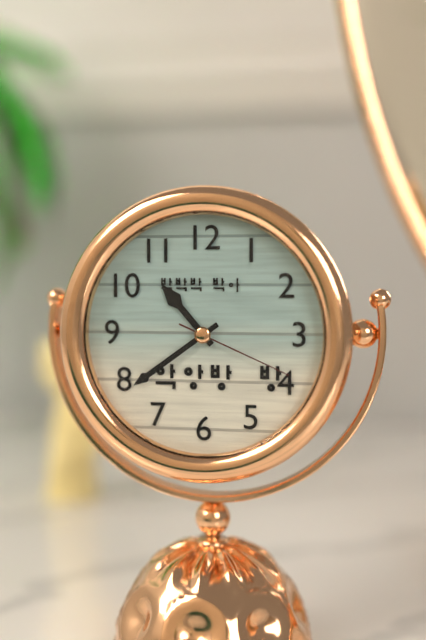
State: 10h39m19s
